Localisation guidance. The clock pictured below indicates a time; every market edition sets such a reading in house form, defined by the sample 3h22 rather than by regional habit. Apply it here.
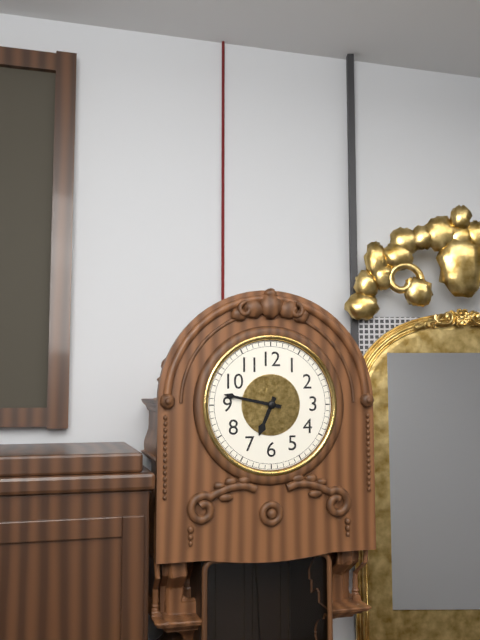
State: 6h47
